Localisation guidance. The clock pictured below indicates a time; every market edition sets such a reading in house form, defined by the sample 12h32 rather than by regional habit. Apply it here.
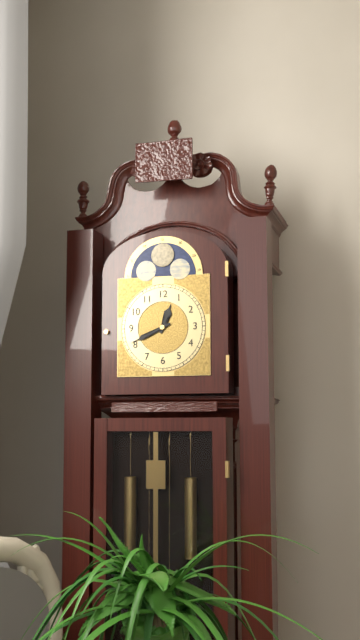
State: 12h41
